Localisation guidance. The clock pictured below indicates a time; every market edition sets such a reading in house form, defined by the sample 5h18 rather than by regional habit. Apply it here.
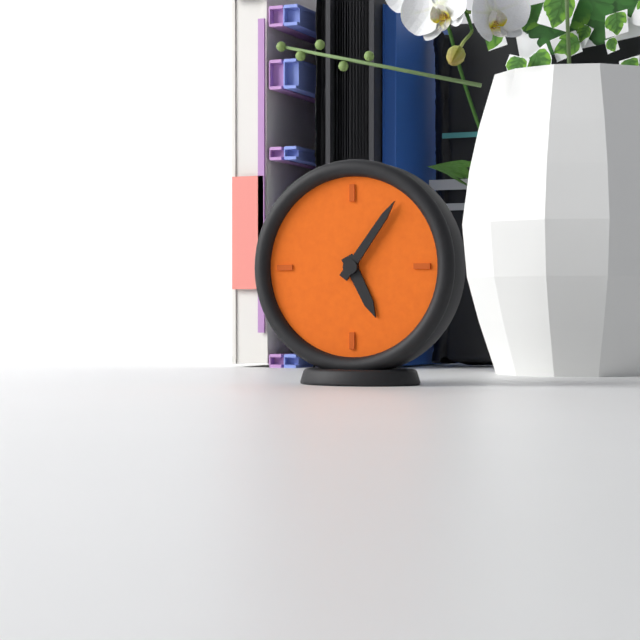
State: 5h06
